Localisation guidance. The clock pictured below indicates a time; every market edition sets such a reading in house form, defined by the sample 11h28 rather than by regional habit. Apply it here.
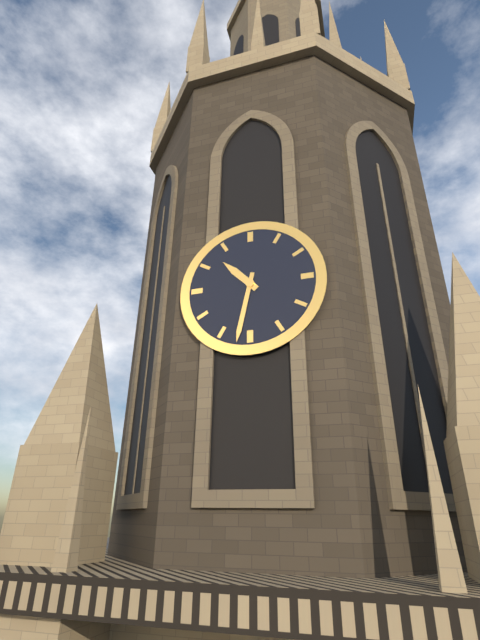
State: 10h32
